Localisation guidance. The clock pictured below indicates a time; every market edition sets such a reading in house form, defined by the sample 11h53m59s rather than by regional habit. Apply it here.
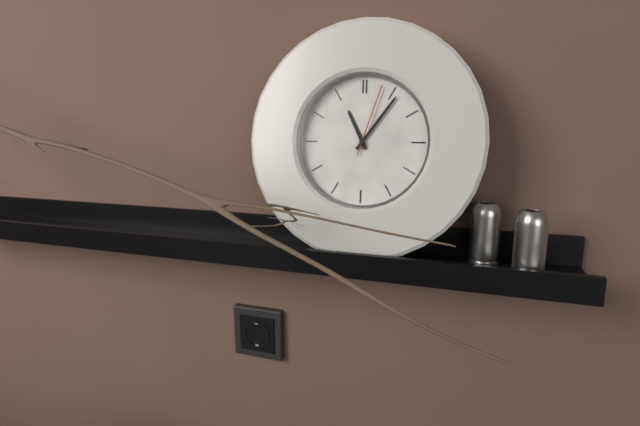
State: 11h06m03s
